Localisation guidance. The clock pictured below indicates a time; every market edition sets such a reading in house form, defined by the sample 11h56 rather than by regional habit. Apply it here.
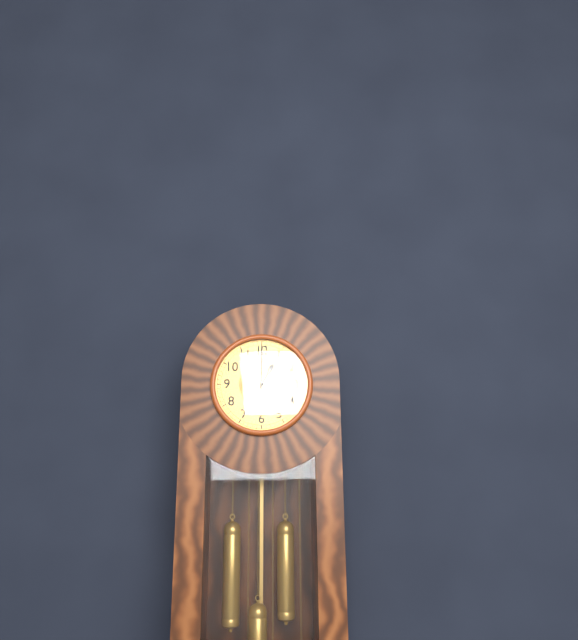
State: 1h00
